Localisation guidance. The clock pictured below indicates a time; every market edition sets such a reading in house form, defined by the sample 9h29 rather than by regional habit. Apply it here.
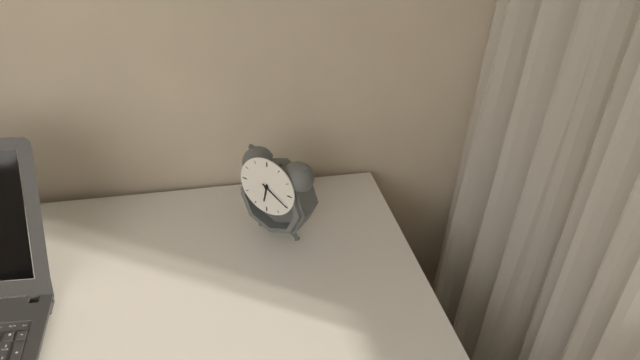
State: 6h20
